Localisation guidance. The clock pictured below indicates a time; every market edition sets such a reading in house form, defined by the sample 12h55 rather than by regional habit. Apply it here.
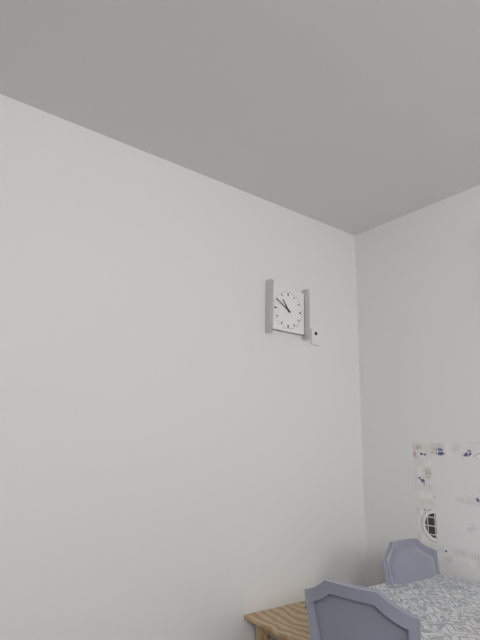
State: 10h50
